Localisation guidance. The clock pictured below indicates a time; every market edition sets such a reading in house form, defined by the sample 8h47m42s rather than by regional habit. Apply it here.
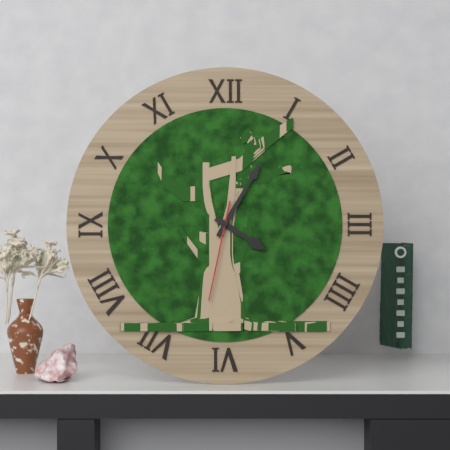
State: 4h05m32s
